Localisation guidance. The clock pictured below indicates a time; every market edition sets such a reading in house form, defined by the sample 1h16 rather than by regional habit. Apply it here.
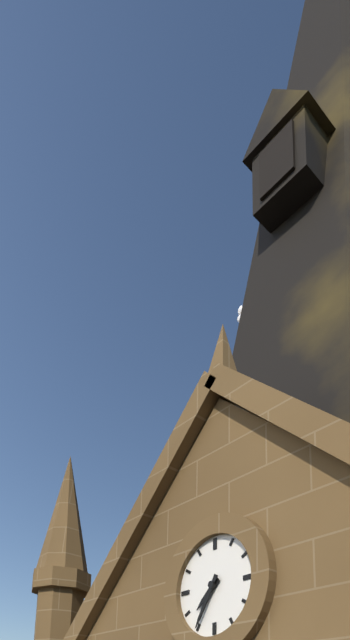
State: 7h35
